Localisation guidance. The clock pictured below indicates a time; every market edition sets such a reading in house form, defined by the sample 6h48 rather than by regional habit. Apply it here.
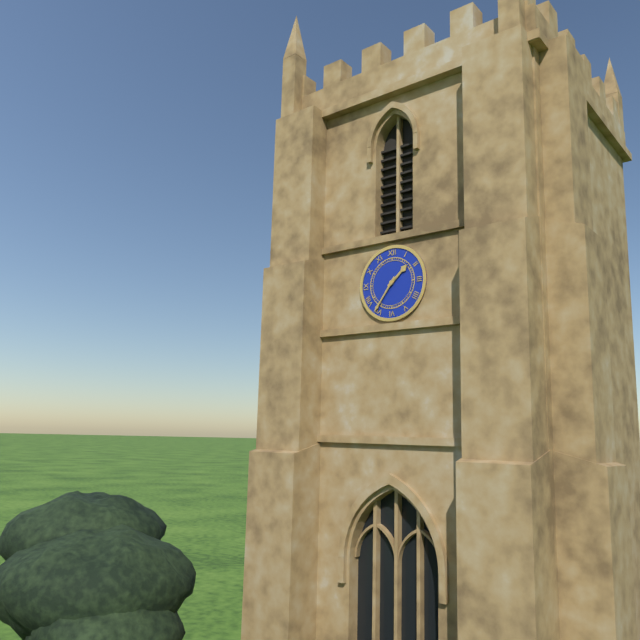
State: 1h36
